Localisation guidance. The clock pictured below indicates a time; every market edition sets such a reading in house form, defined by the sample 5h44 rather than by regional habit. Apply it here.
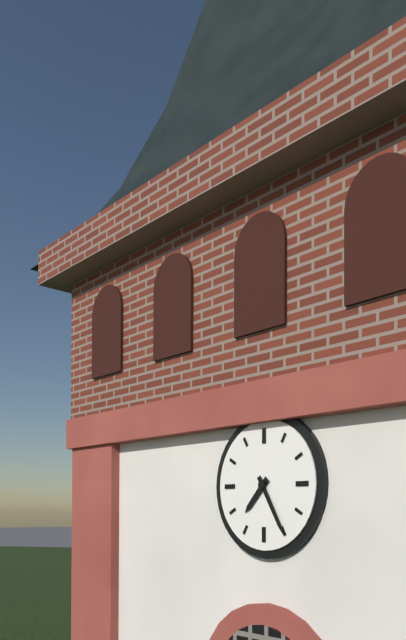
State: 7h25
